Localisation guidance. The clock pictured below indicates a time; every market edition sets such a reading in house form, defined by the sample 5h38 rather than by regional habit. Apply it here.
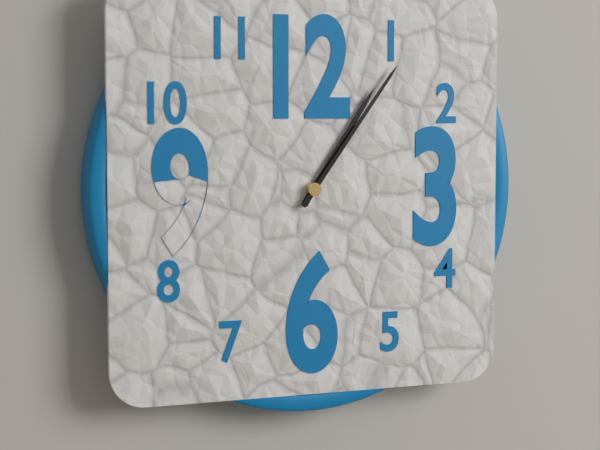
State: 1h06
